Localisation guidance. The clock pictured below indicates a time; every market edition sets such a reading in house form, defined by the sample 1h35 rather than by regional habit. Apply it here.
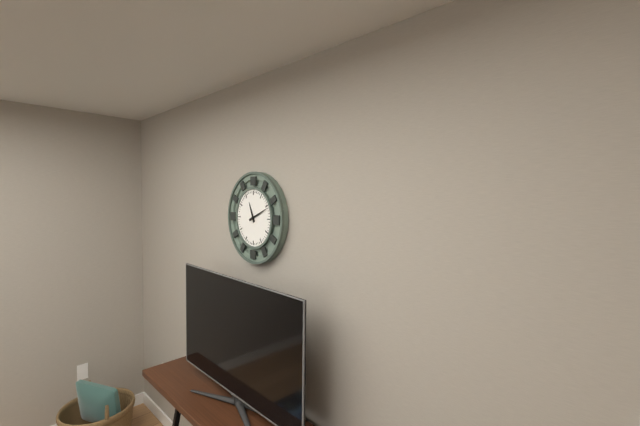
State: 11h11
